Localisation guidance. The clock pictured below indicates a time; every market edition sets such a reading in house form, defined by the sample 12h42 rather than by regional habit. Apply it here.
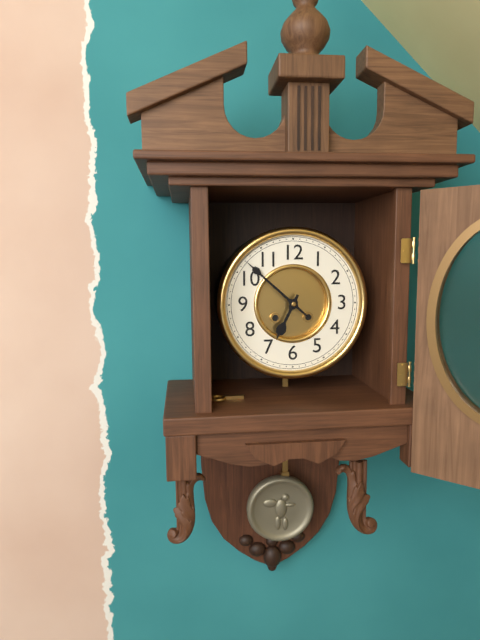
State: 6h52
